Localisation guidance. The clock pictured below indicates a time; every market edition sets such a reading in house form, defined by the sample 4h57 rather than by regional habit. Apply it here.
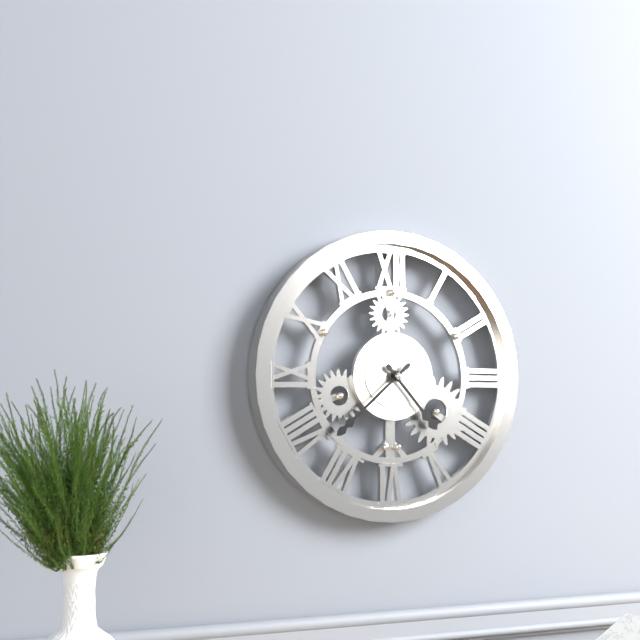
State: 4h38
